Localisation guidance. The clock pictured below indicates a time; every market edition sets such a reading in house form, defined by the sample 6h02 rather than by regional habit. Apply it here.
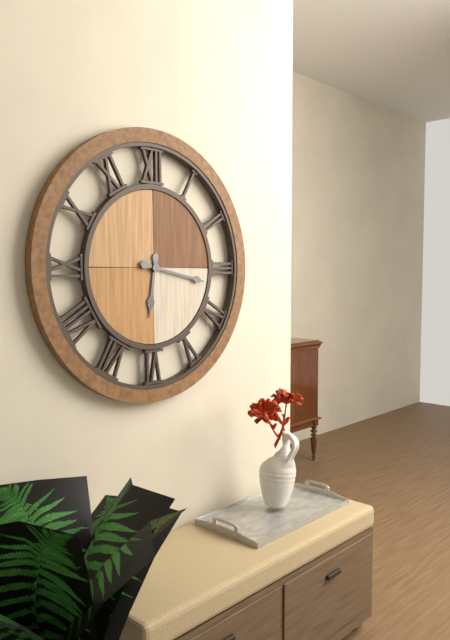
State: 6h17
